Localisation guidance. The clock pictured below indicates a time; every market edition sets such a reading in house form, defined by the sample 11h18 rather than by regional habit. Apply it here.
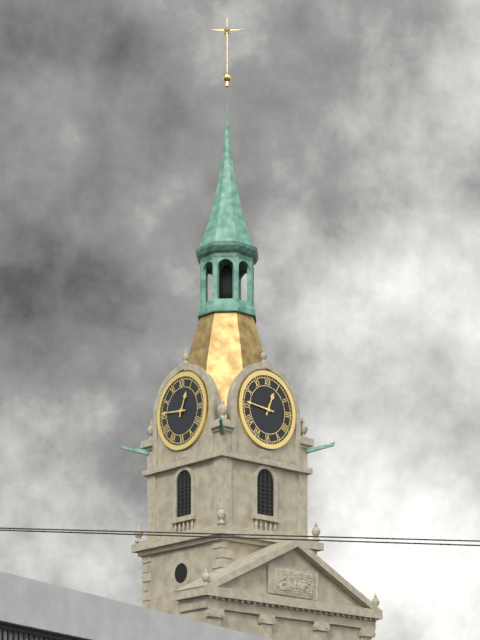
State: 12h46
